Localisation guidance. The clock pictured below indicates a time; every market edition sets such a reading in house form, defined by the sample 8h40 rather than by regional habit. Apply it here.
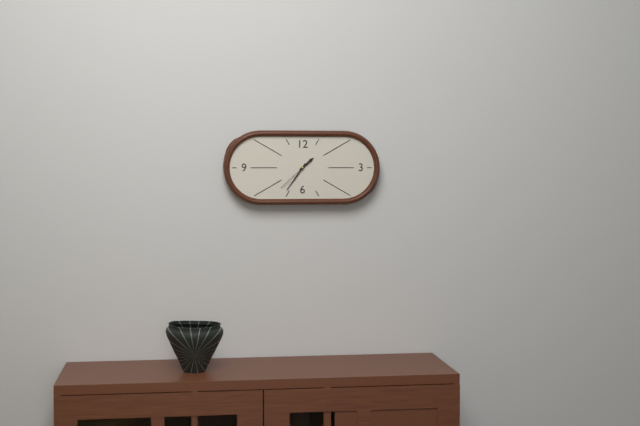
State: 1h36
